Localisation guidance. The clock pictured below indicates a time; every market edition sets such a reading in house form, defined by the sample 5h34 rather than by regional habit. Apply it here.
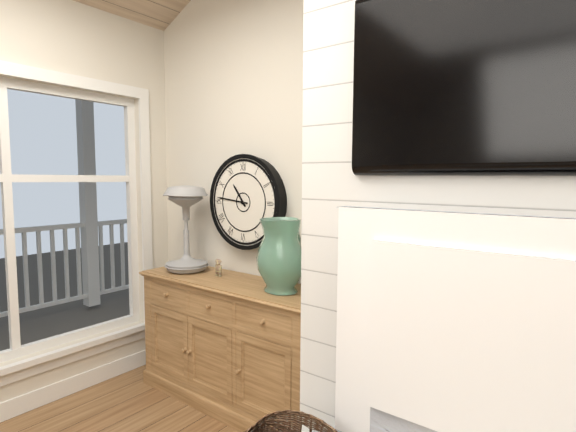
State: 10h46
